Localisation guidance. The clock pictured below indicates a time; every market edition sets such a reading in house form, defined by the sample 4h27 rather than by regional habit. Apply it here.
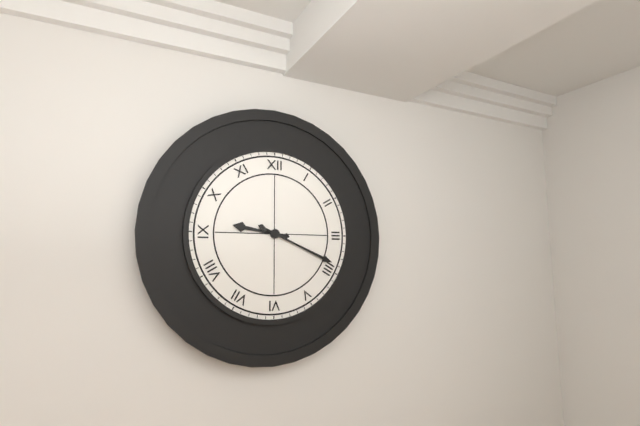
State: 9h19
